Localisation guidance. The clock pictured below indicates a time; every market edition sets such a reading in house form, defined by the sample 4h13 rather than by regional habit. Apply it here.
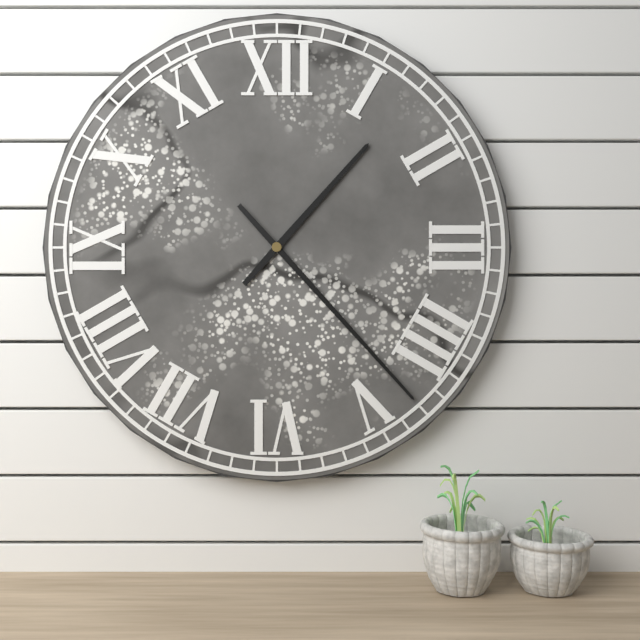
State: 1h23
